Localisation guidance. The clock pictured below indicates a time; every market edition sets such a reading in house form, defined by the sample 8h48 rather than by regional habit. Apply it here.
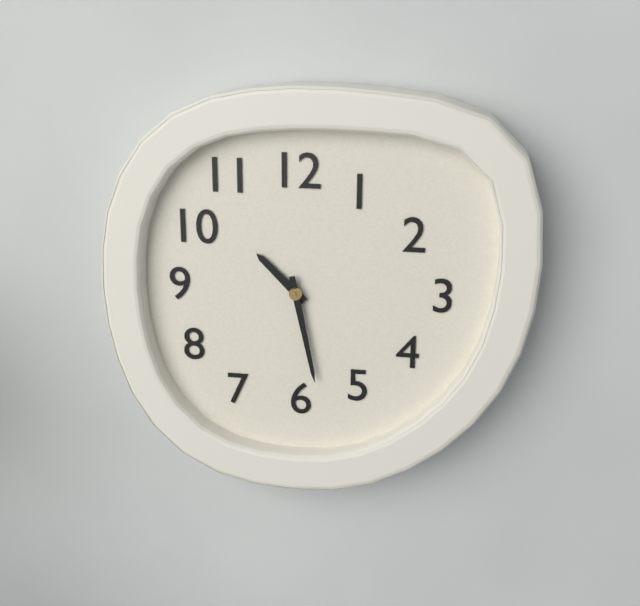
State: 10h28
